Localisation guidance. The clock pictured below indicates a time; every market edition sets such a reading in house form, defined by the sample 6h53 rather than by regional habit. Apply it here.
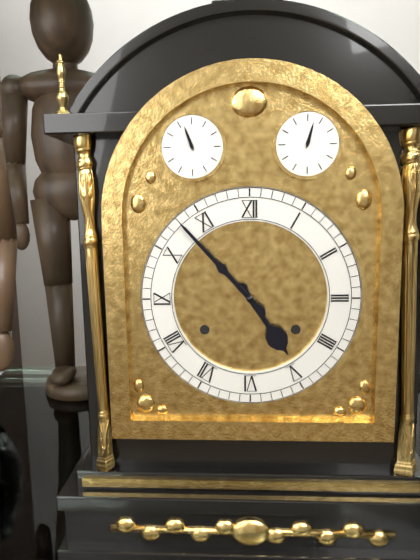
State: 4h53
